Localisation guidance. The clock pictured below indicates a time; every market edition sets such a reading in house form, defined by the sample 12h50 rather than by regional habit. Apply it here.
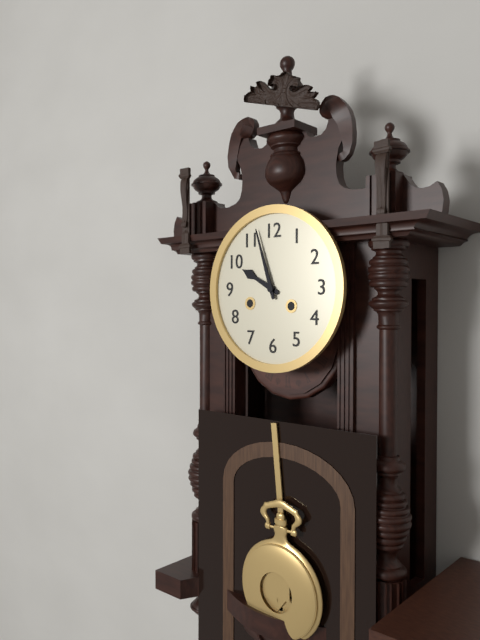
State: 9h57
